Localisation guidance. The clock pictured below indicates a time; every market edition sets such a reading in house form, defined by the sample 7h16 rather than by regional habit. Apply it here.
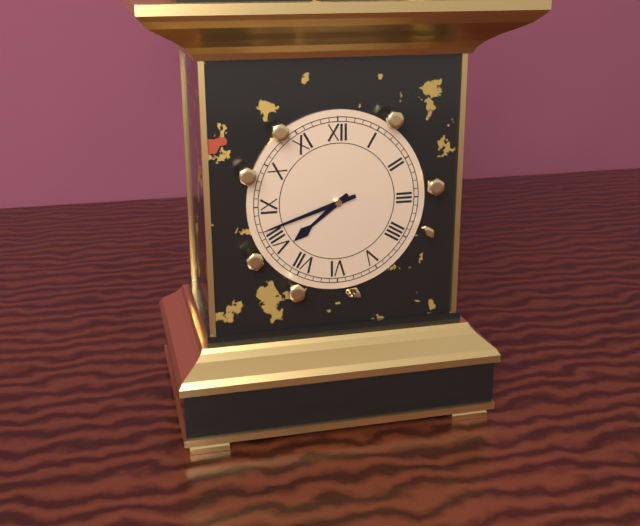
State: 7h42
